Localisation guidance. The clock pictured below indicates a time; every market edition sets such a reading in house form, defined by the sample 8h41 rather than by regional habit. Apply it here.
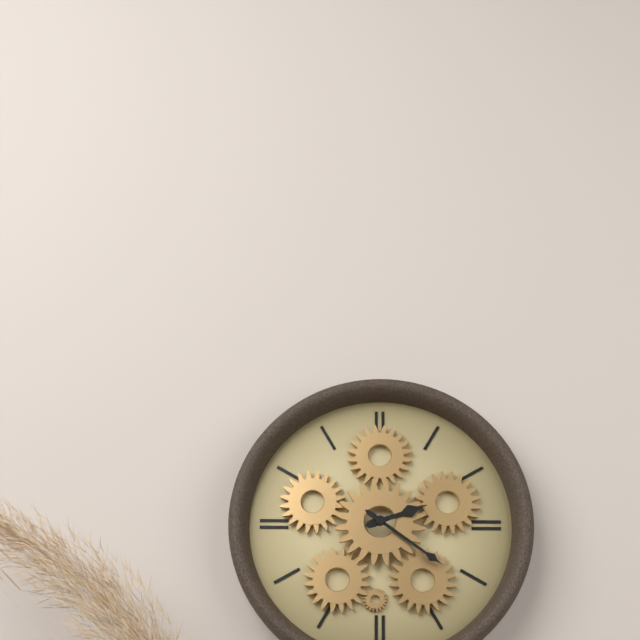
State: 2h21
